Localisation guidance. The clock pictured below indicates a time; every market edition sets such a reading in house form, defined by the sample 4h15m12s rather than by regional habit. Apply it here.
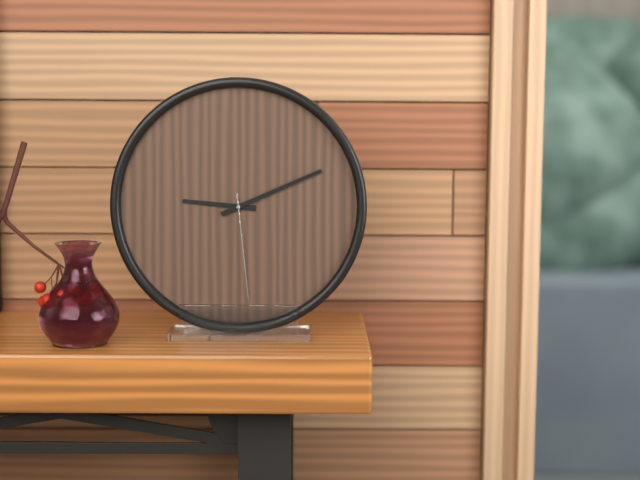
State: 9h11m29s
